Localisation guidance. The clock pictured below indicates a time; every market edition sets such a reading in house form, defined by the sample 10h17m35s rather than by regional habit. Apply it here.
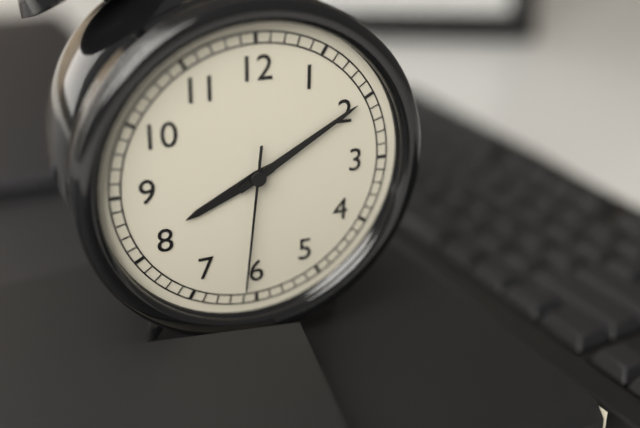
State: 8h10m31s
